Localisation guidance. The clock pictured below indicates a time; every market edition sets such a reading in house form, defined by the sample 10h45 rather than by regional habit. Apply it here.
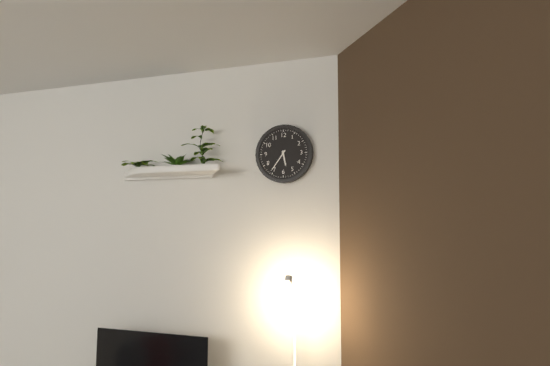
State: 5h36
